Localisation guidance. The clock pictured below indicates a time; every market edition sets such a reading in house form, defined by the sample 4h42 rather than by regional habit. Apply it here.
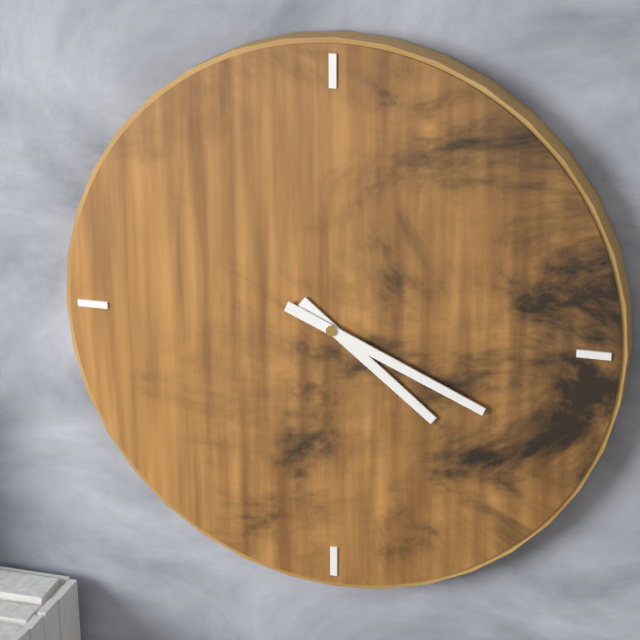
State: 4h19
